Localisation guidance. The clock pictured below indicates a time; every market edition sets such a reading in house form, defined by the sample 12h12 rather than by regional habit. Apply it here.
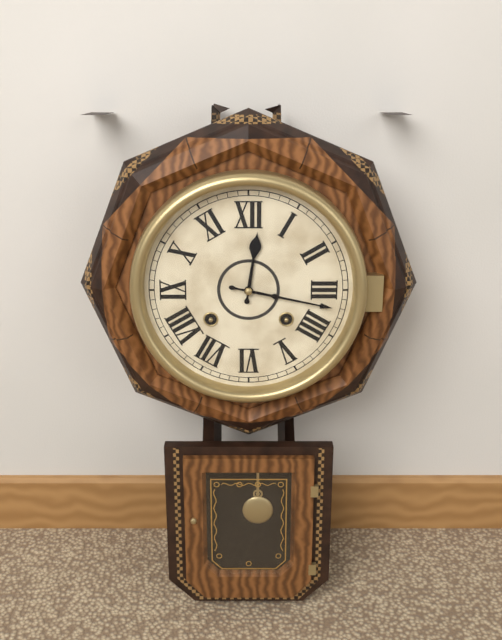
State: 12h17
